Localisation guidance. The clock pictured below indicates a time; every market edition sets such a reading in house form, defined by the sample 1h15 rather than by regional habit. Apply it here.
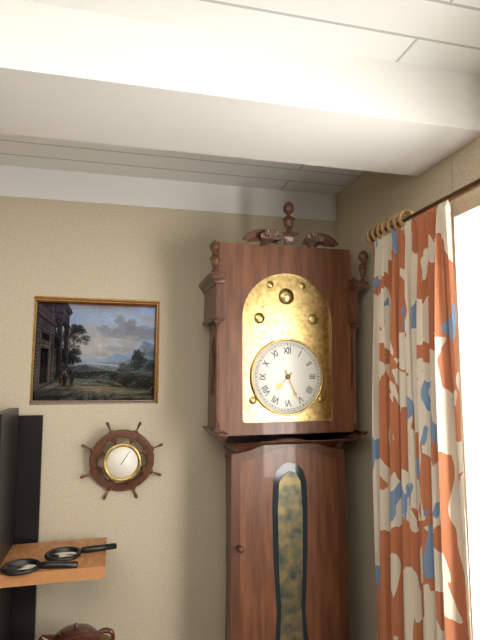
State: 7h26
